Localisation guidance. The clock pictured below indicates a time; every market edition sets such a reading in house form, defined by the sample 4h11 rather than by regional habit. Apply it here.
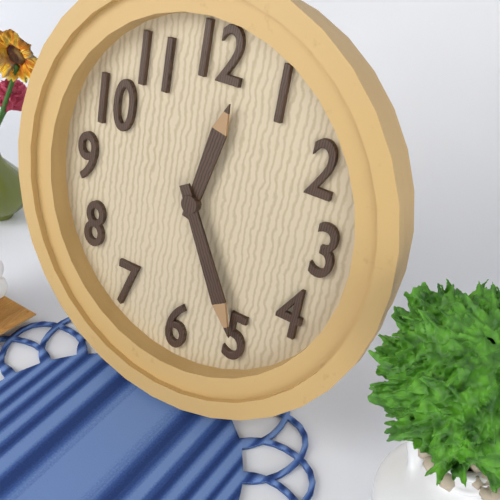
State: 12h25
